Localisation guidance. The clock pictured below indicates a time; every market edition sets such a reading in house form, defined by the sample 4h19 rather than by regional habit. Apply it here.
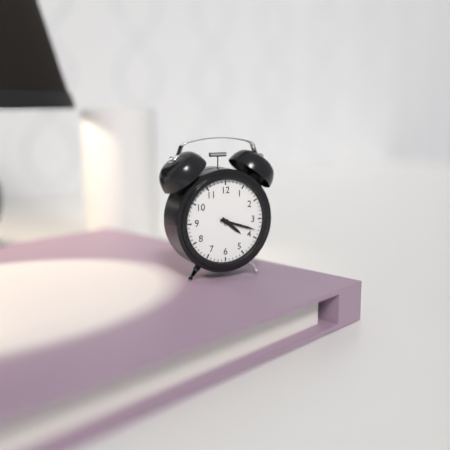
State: 4h18
